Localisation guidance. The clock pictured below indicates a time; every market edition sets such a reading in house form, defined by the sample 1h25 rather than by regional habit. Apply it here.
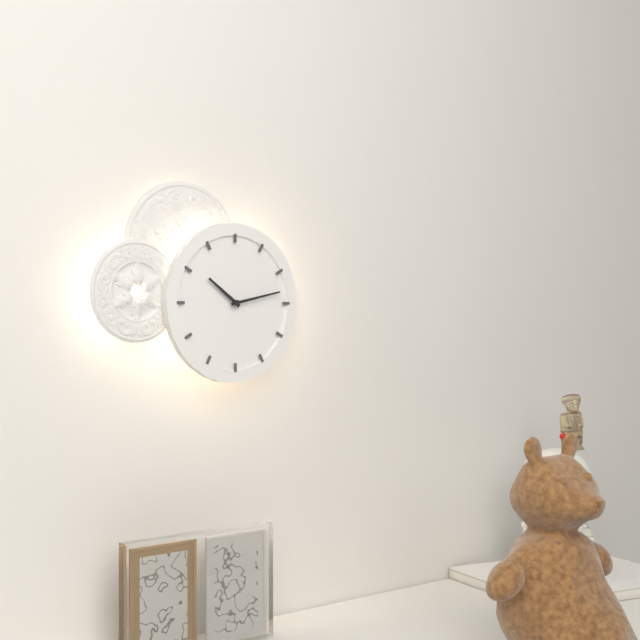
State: 10h13
